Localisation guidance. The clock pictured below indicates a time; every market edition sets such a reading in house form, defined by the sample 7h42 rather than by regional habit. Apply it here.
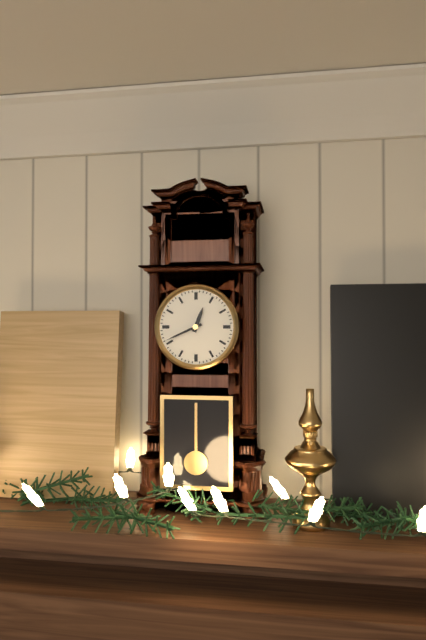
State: 12h41
